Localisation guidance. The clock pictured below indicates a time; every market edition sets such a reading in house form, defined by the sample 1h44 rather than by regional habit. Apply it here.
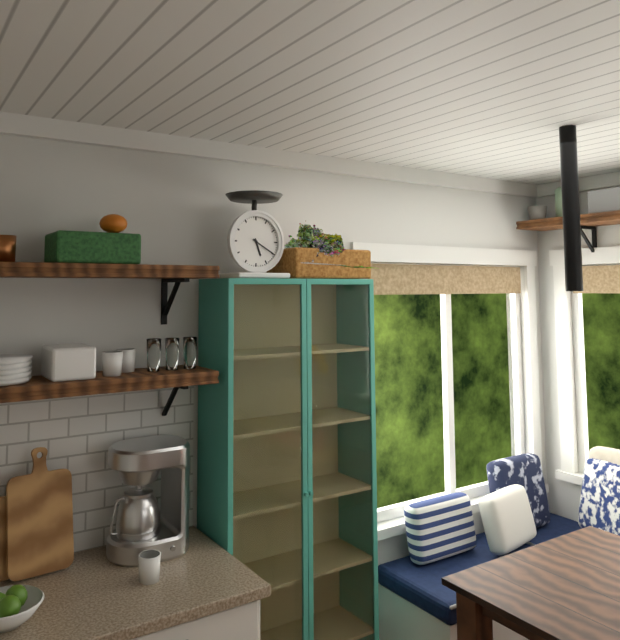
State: 5h20
